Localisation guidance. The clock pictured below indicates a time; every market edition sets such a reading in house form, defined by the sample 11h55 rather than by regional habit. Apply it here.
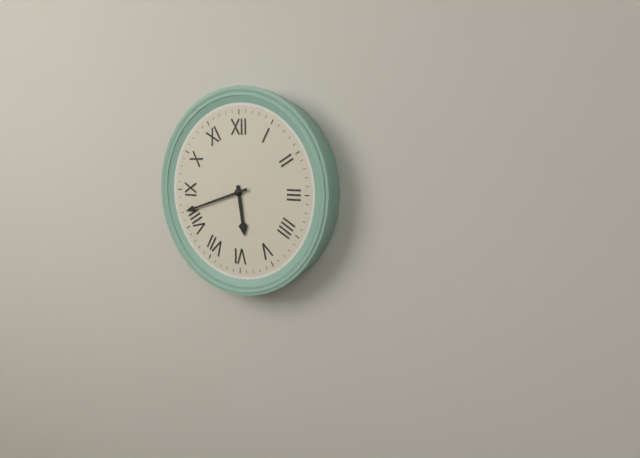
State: 5h42
